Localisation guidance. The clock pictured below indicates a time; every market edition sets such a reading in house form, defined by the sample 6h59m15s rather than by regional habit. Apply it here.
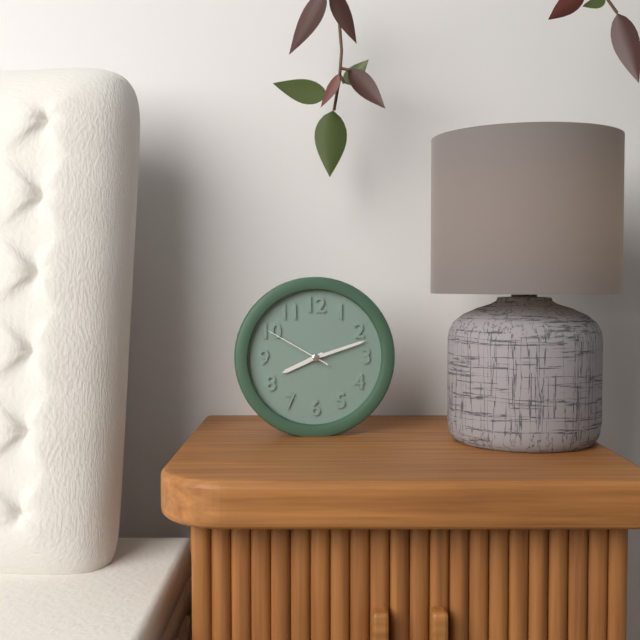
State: 8h12m50s
